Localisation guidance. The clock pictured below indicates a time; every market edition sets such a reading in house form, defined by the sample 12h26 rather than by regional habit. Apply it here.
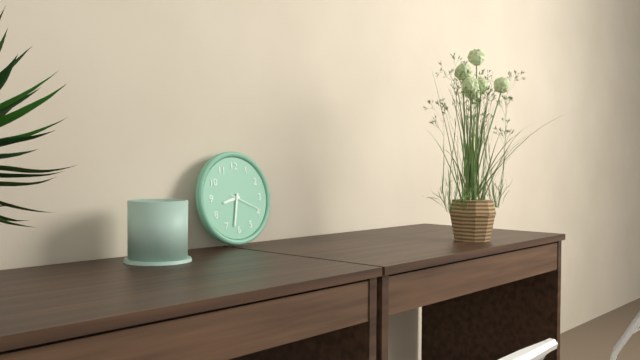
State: 8h32
